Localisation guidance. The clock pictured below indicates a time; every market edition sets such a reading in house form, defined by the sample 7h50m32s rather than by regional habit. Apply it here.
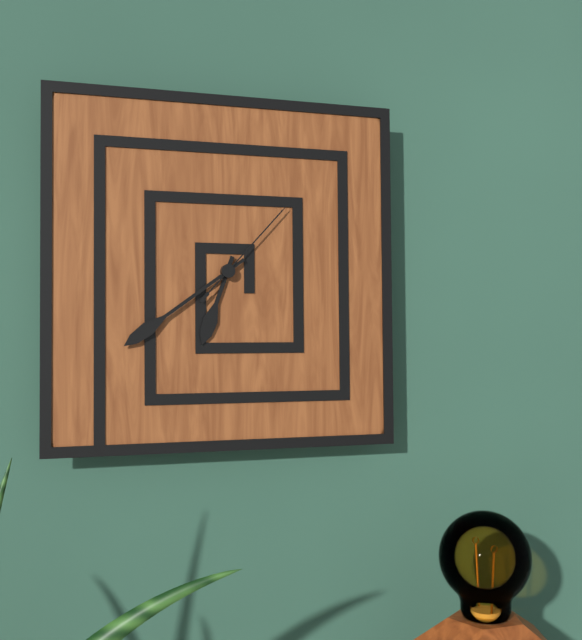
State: 6h39m07s
